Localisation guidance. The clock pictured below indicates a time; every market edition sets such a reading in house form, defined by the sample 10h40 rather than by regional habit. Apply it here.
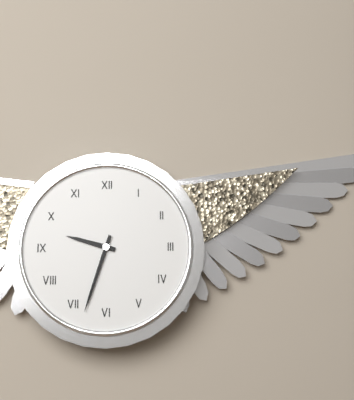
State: 9h33
